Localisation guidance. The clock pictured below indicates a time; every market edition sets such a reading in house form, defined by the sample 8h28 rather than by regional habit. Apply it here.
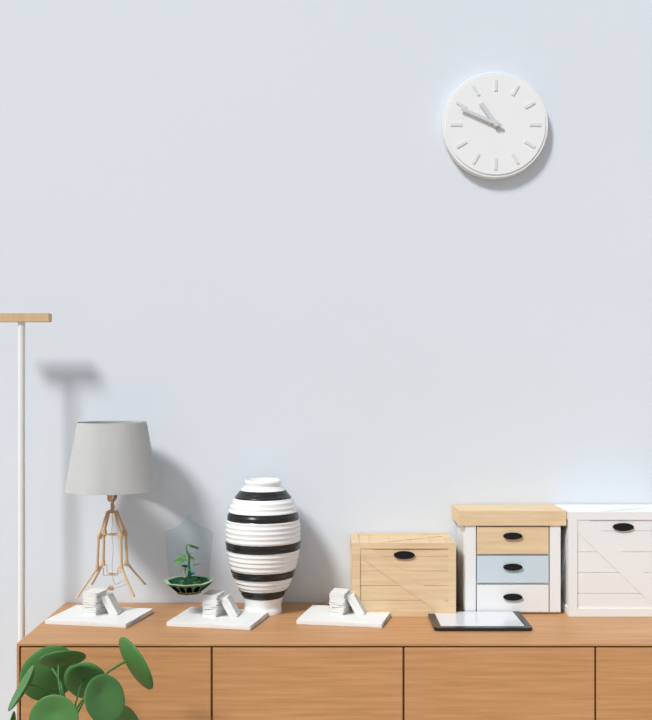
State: 10h49
